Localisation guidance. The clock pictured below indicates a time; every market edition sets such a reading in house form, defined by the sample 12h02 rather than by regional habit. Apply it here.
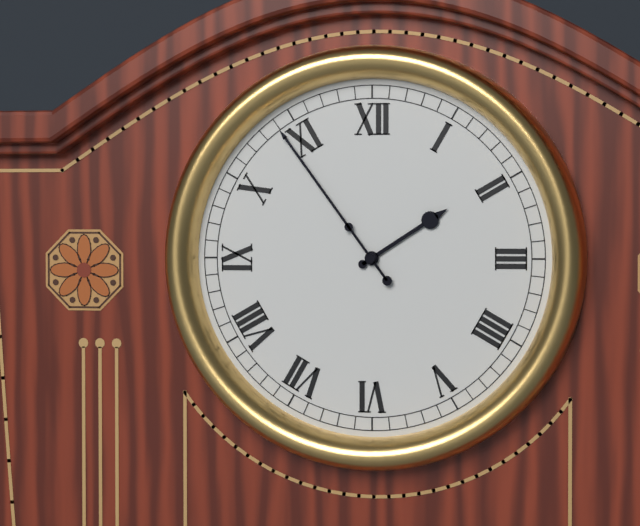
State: 1h54
